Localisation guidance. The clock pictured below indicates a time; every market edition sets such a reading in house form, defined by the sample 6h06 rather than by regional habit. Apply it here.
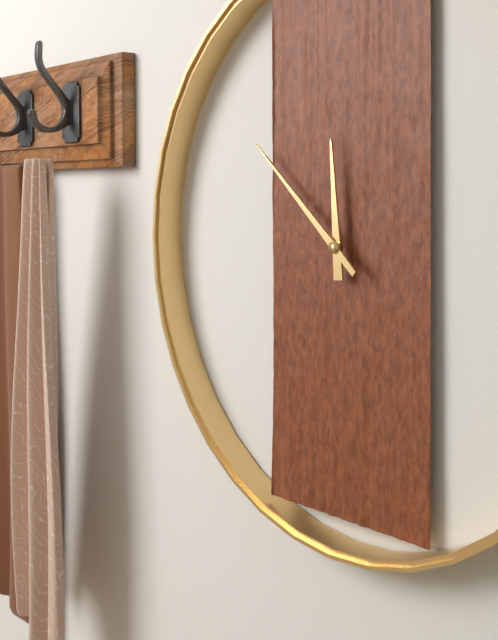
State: 11h52
